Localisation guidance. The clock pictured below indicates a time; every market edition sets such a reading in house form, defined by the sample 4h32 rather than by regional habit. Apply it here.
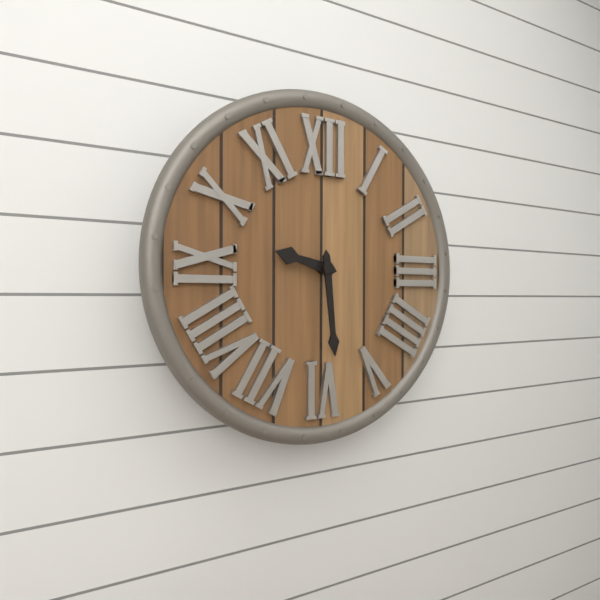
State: 9h29
